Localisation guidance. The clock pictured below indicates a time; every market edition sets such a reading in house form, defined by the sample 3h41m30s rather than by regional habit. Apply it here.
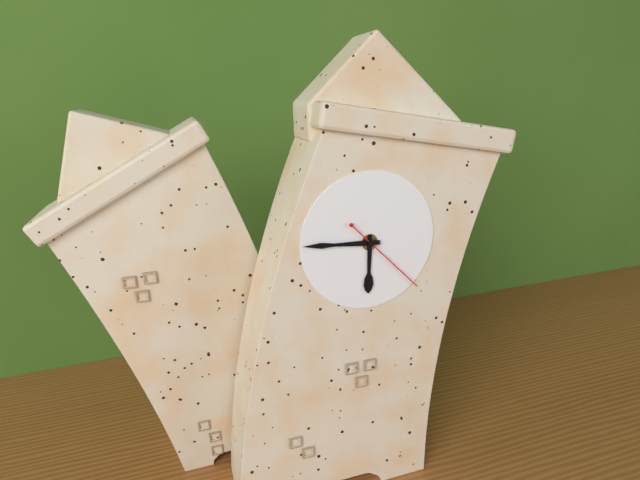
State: 5h44m21s
